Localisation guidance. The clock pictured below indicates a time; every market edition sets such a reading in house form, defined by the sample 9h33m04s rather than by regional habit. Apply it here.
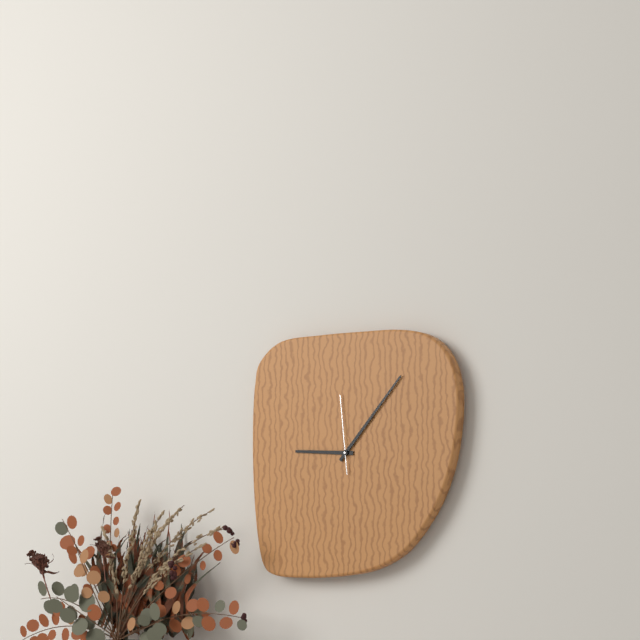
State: 9h07m59s
